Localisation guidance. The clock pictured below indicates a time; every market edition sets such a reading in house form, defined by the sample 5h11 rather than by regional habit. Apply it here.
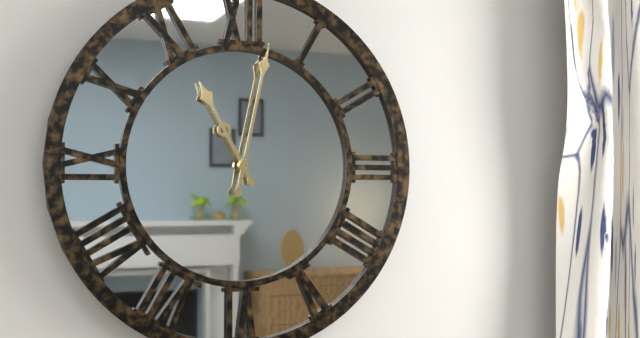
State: 11h02
